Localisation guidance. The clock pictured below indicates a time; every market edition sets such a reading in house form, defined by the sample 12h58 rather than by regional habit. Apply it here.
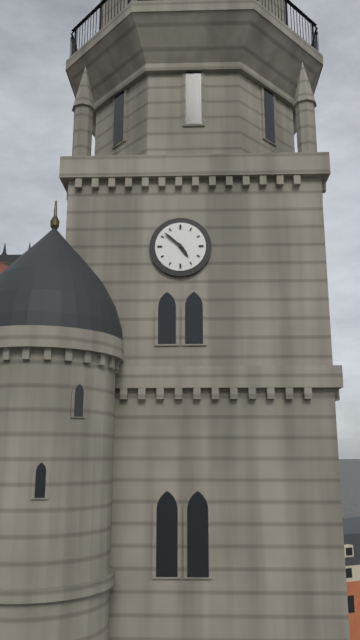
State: 4h52
